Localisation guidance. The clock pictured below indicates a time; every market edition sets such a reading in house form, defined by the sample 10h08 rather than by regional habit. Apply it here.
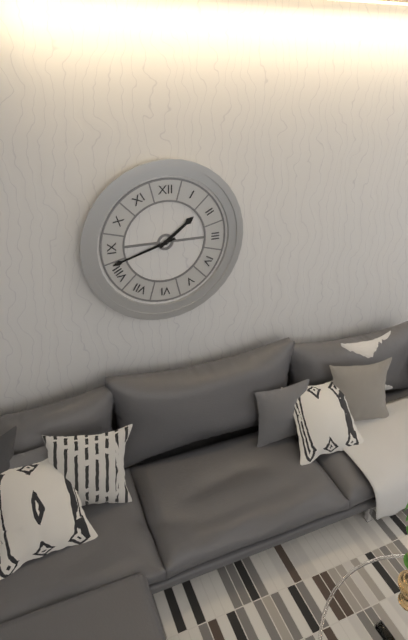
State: 1h42
